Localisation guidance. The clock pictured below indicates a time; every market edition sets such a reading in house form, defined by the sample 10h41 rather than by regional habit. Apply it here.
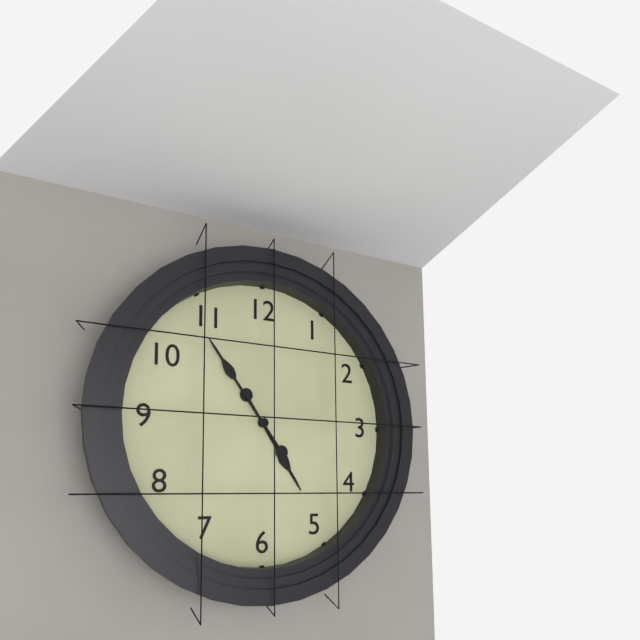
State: 4h54
